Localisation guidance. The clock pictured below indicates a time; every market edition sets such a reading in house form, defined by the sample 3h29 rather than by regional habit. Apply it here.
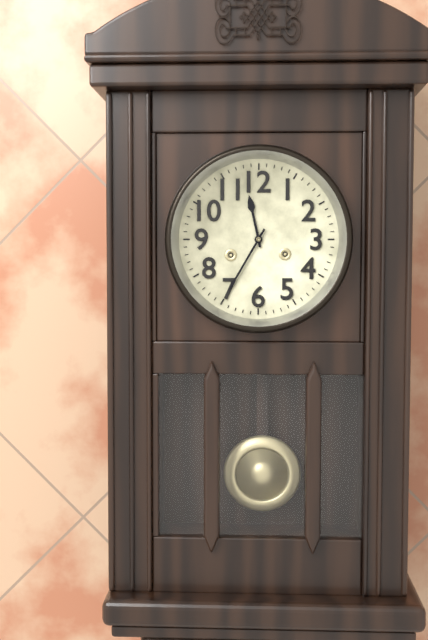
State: 11h35
